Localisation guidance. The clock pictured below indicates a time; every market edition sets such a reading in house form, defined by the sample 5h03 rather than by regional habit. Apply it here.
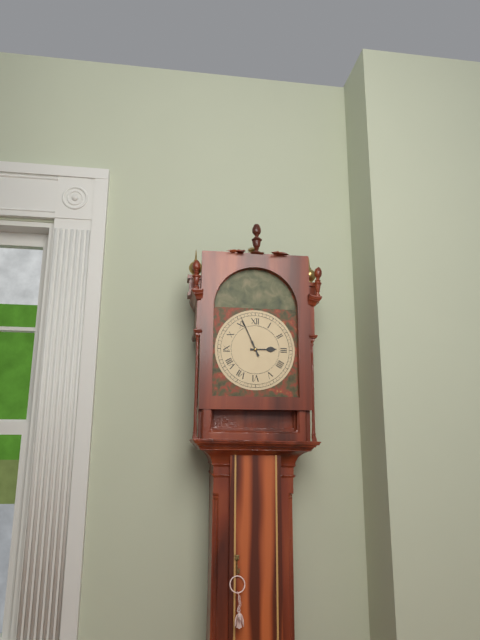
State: 2h56
